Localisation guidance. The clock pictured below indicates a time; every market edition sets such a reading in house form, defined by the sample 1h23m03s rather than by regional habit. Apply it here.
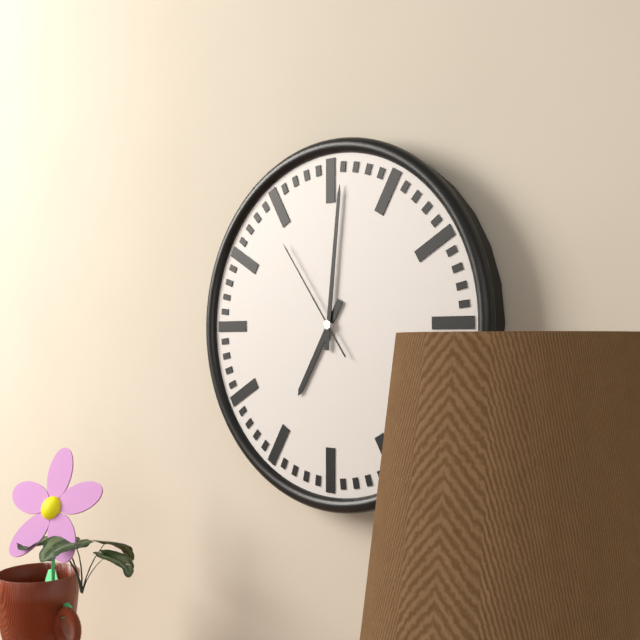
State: 7h01m54s
